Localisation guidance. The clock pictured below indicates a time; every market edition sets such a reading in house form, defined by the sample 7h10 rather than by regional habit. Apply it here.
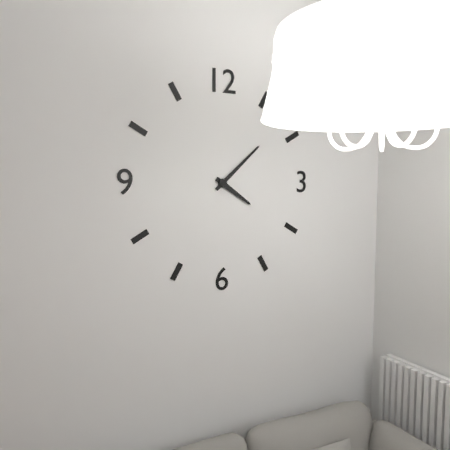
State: 4h08
